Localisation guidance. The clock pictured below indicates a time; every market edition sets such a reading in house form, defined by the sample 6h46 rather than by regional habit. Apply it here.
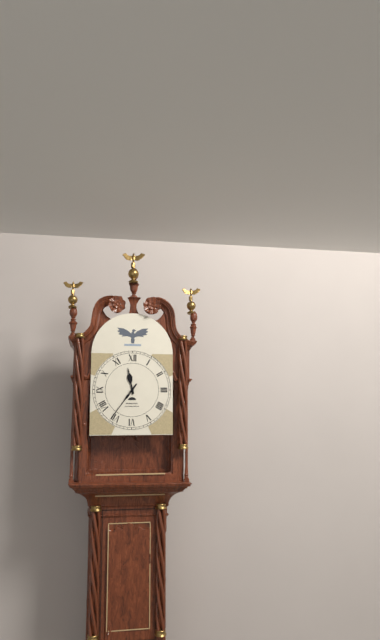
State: 11h36
